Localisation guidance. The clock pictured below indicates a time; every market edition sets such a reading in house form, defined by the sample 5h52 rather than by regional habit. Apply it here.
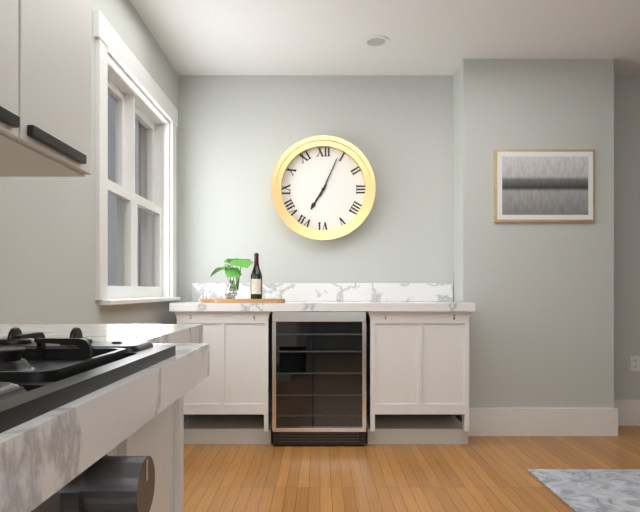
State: 7h04
